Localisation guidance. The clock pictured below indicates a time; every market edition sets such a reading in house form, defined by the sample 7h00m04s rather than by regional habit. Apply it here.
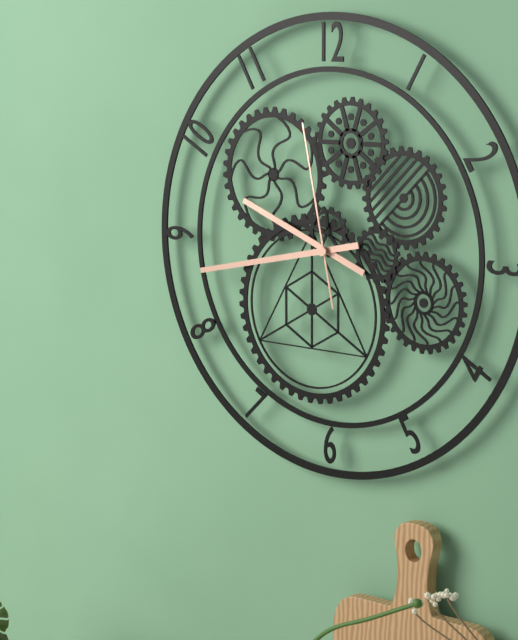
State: 9h43m58s
